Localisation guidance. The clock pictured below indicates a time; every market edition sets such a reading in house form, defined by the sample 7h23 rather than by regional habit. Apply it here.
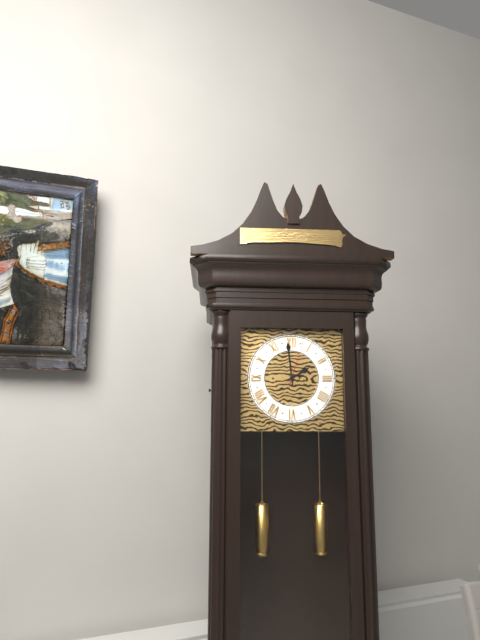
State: 1h59
